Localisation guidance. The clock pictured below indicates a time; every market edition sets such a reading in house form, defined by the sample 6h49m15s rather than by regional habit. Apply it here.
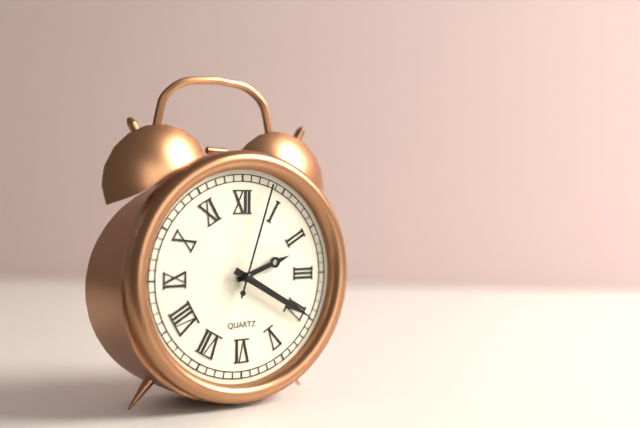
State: 2h20m03s
